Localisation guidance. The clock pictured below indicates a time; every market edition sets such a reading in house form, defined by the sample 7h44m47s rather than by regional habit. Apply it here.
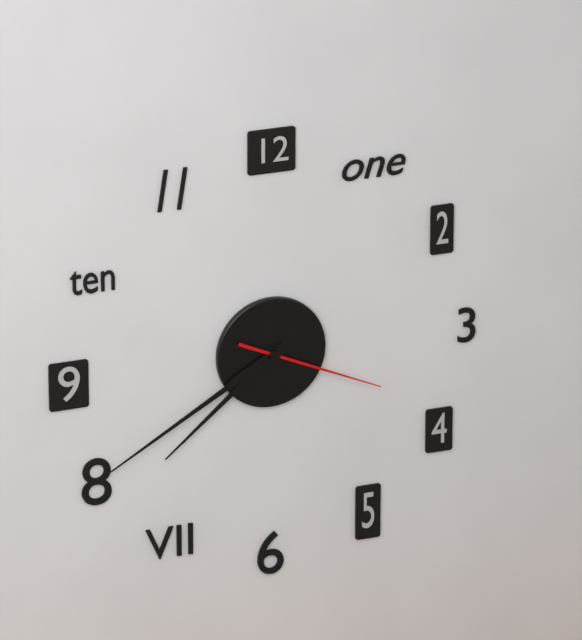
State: 7h40m19s
